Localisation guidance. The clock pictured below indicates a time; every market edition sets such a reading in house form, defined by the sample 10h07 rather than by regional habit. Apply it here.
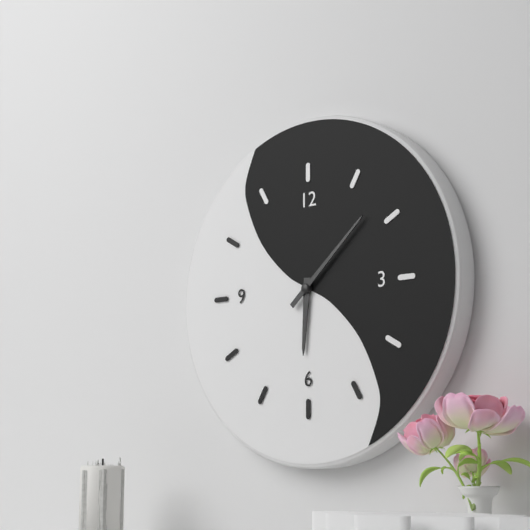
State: 6h08
